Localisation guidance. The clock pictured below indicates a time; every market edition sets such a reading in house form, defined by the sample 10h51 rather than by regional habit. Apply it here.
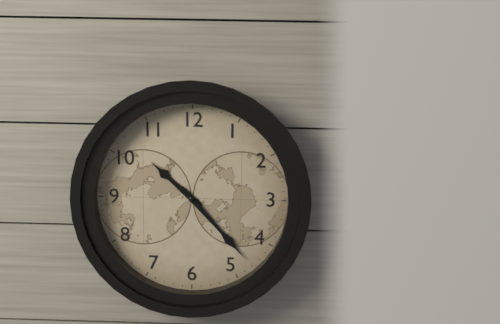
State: 10h23
